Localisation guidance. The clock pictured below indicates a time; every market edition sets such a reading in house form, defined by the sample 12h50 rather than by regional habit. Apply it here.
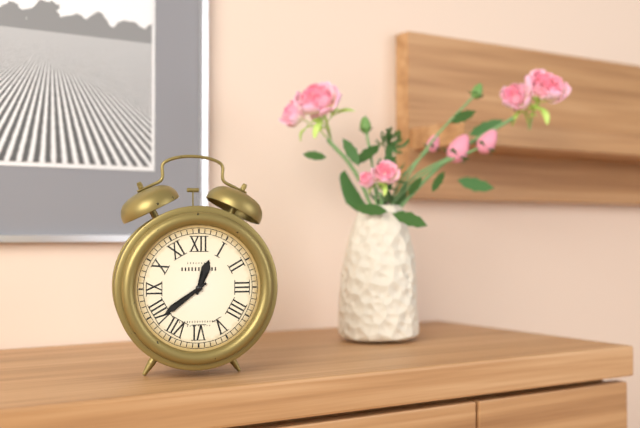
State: 12h39
